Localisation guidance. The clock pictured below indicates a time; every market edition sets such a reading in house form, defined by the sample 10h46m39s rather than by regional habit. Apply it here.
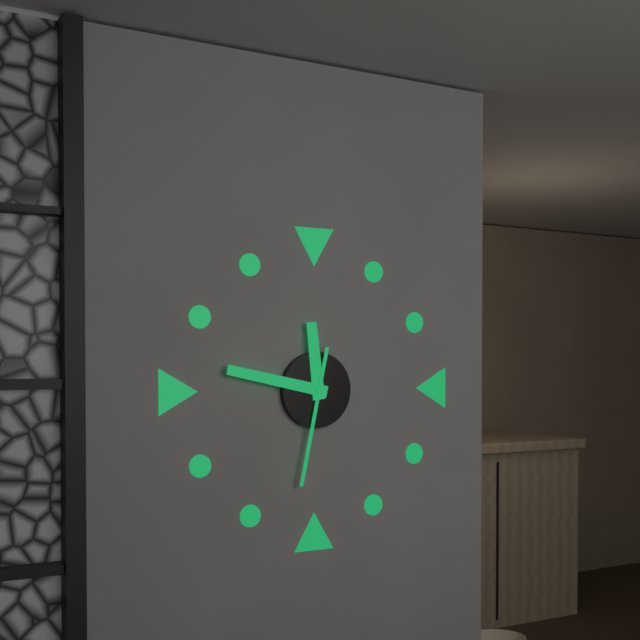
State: 11h47m32s
